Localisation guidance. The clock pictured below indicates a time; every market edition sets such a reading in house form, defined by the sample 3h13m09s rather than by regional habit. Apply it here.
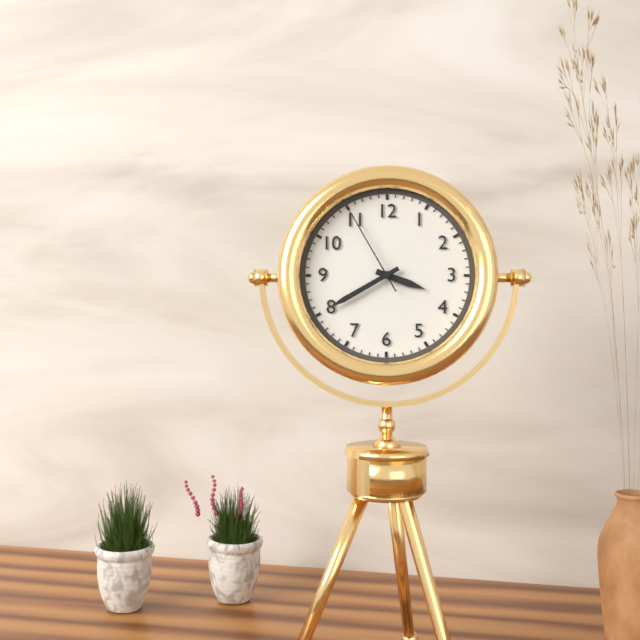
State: 3h40m55s
